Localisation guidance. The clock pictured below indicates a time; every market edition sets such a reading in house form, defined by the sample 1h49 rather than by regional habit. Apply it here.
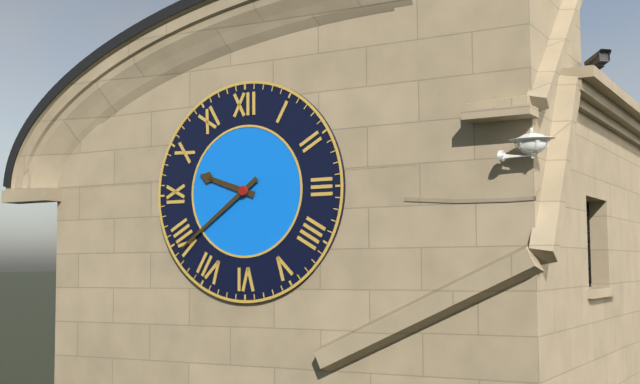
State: 9h39
